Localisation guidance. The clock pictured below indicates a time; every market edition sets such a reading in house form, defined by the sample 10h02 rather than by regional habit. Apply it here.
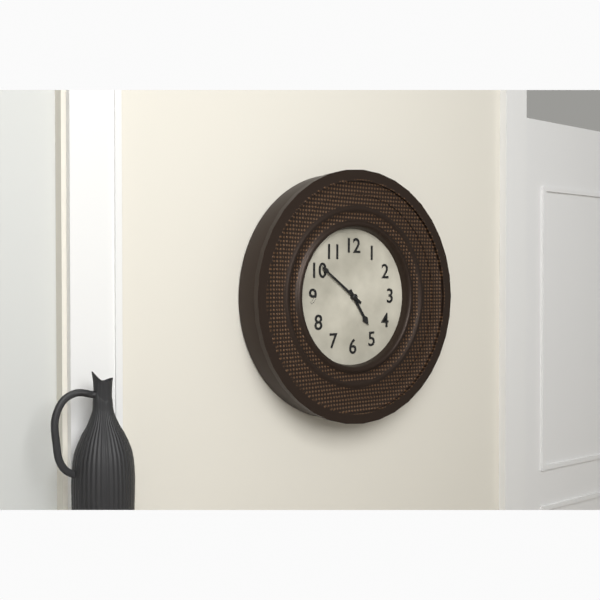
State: 4h51
